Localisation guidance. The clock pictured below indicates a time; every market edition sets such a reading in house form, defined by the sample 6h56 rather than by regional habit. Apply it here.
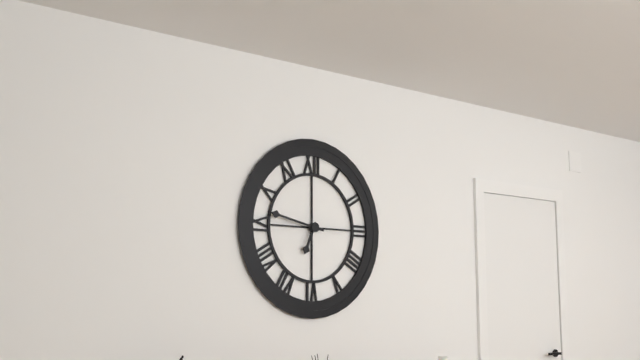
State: 6h47
